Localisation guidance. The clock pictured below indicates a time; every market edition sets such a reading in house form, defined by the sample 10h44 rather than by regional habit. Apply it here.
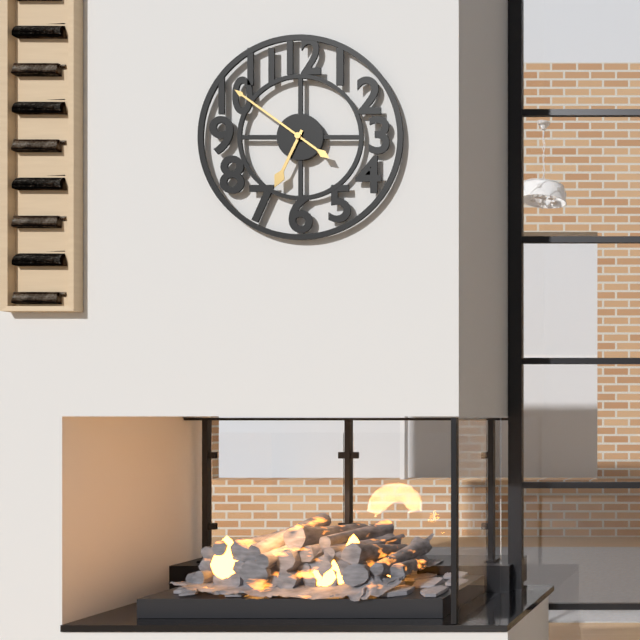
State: 6h51
